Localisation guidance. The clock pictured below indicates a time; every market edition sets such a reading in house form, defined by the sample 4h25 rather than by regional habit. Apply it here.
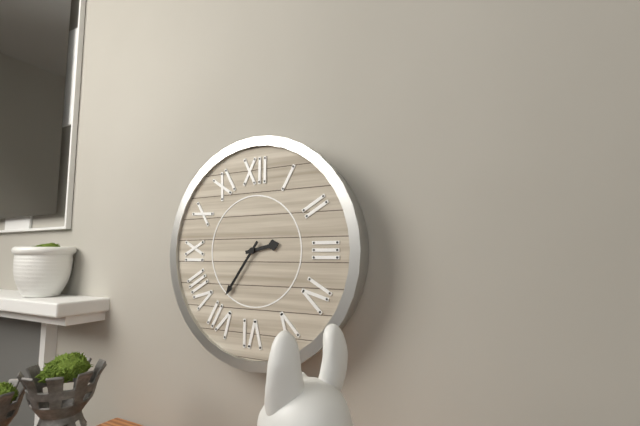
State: 2h36
